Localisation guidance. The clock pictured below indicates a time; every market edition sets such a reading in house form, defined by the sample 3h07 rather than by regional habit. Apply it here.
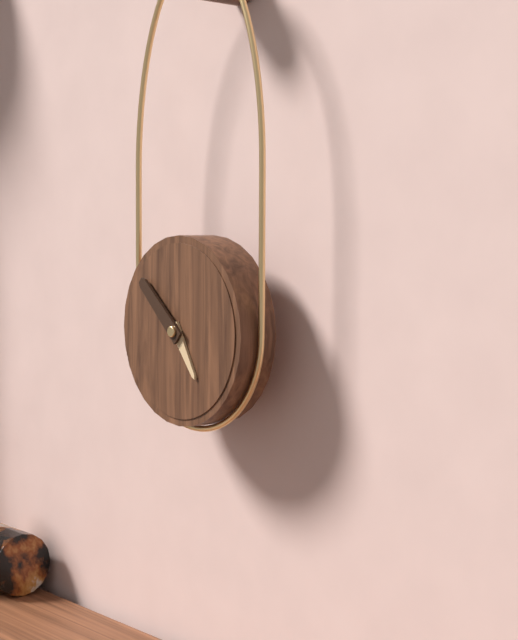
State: 4h52
